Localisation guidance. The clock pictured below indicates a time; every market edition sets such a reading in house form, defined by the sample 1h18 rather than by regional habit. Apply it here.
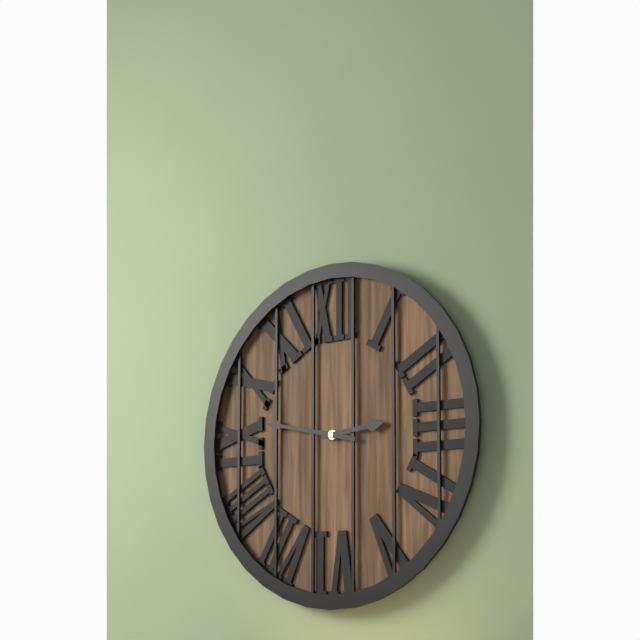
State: 2h47
